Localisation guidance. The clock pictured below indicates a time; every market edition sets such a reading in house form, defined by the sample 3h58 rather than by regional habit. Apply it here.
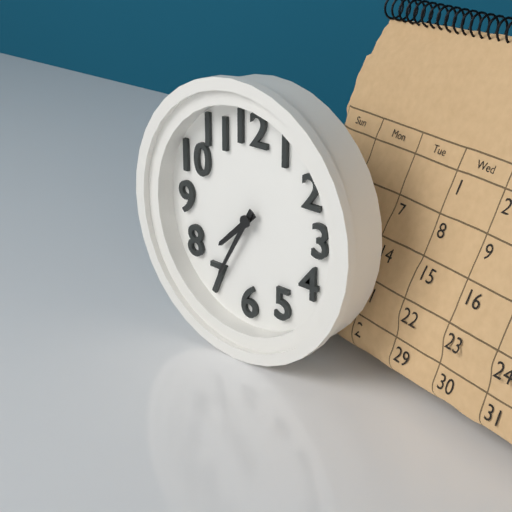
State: 7h35
